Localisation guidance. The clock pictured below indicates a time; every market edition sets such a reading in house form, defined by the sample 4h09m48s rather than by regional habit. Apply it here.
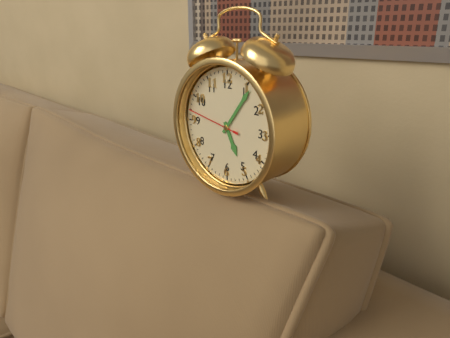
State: 5h06m47s
